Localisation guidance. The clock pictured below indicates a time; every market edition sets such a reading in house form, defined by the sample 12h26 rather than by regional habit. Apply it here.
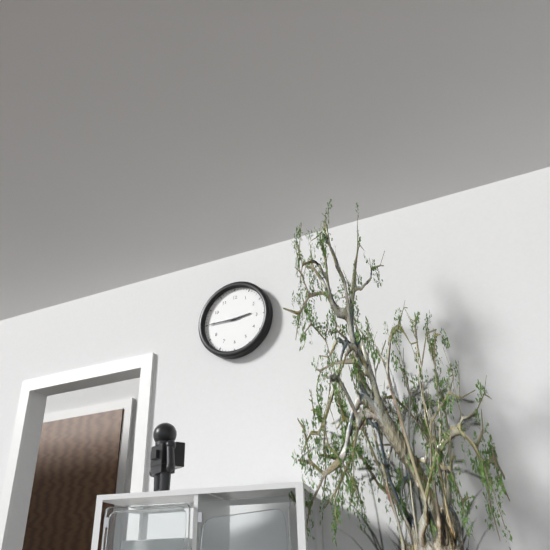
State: 2h45
